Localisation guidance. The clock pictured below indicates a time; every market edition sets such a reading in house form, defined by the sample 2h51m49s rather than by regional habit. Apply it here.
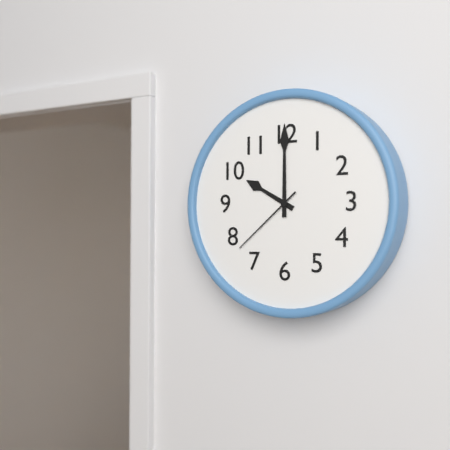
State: 10h00m38s
